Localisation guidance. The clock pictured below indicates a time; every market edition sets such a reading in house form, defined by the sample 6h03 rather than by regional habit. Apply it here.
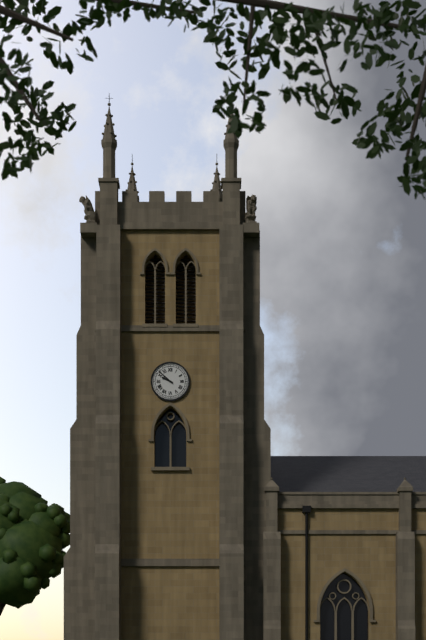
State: 9h52
